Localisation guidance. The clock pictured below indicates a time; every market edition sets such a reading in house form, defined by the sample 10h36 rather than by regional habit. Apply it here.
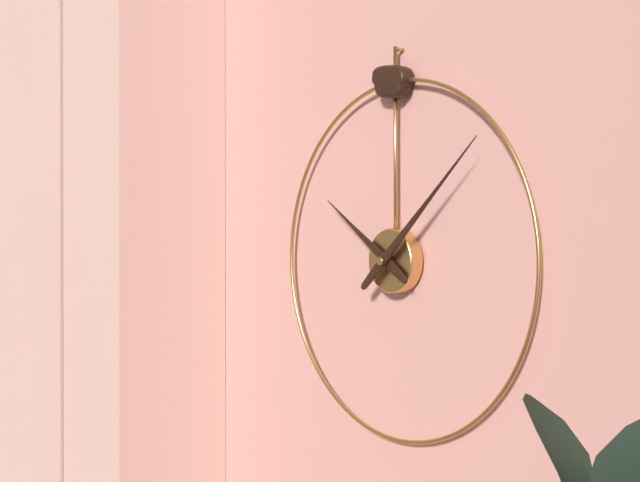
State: 10h08
